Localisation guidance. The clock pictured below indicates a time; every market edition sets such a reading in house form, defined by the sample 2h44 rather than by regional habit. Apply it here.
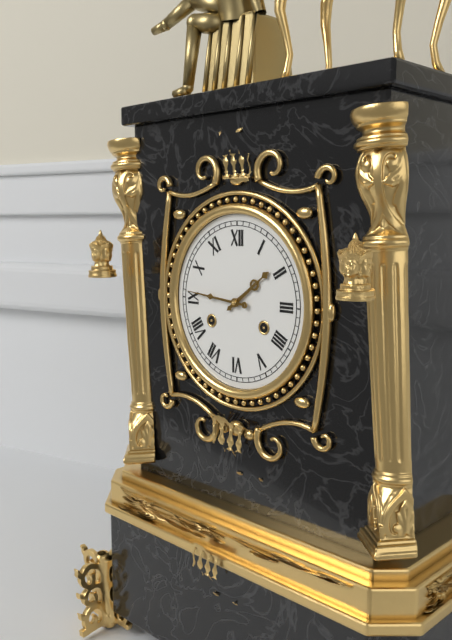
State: 1h46
